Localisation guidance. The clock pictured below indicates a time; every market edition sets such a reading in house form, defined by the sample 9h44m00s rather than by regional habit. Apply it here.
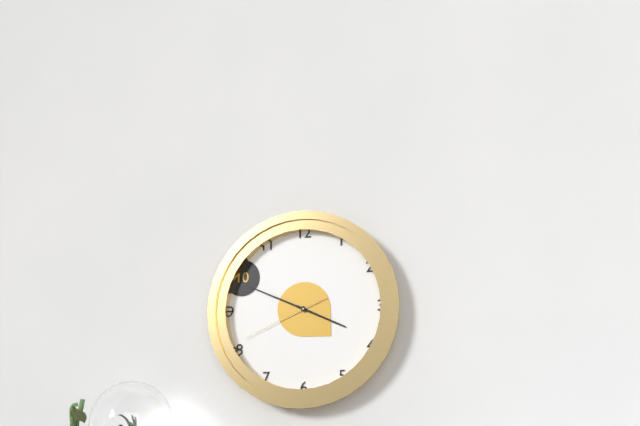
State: 3h49m41s
